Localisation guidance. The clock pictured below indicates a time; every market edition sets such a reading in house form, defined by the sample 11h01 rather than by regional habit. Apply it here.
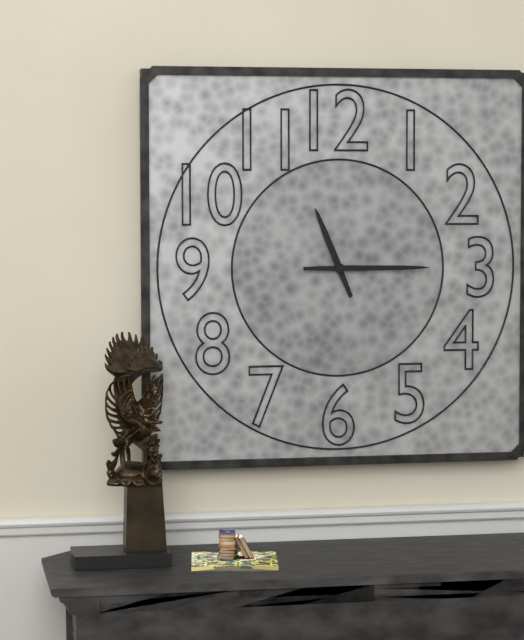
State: 11h15
